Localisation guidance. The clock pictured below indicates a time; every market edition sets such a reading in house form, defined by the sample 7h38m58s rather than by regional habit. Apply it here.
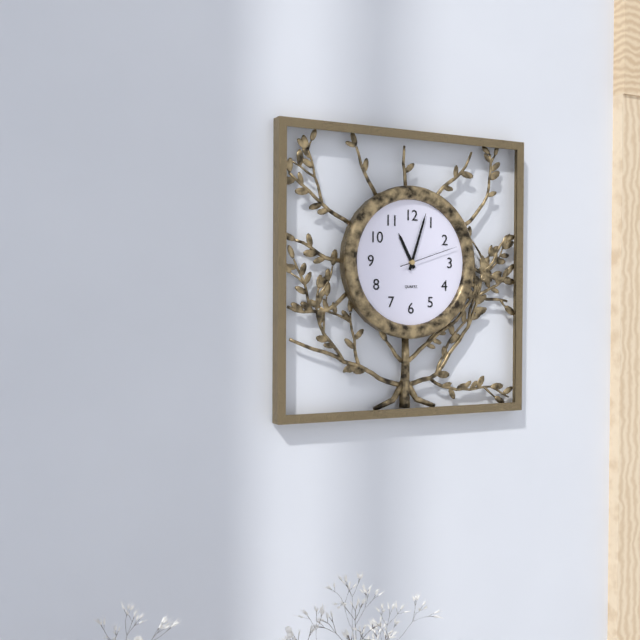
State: 11h03m12s
